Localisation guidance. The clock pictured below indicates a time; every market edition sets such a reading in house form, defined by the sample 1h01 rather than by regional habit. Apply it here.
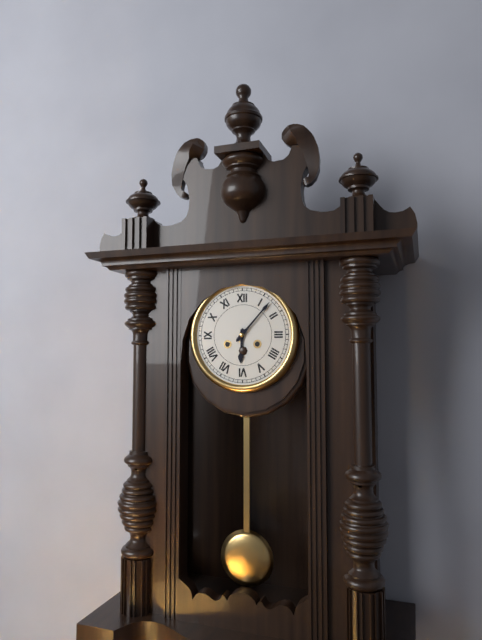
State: 6h07
